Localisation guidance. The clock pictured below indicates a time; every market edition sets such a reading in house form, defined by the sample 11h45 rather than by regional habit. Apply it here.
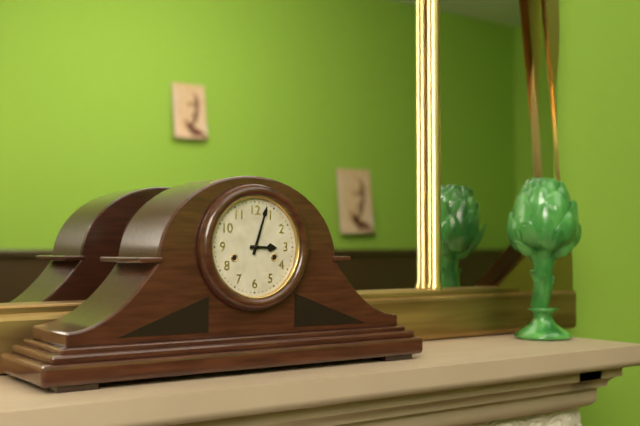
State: 3h03
